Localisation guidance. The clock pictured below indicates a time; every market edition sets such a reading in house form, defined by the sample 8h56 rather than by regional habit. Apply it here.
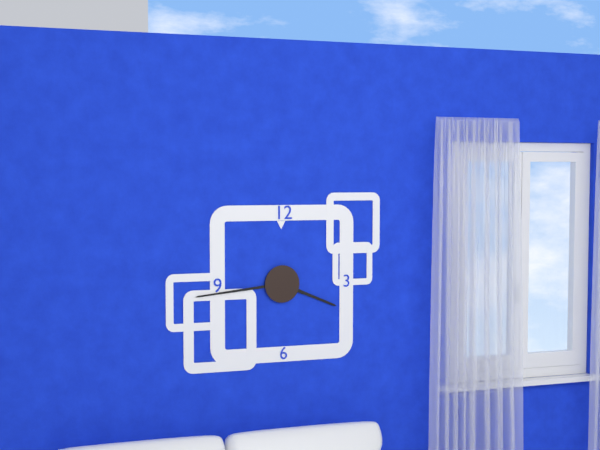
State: 3h44
